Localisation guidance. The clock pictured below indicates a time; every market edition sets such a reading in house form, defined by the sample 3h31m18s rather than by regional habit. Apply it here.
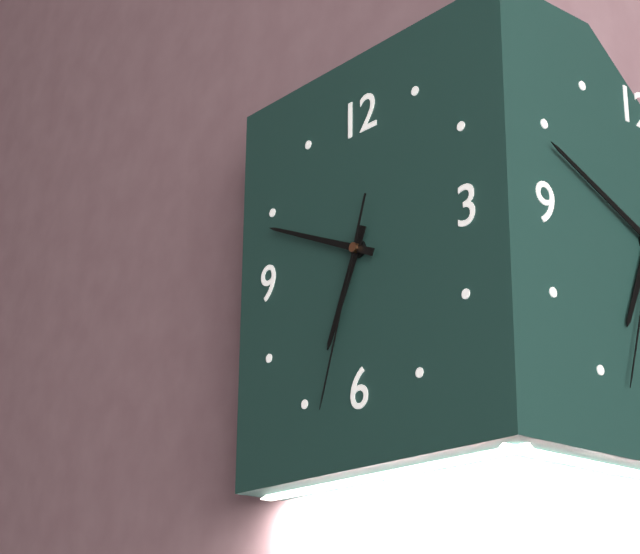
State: 6h49m33s
